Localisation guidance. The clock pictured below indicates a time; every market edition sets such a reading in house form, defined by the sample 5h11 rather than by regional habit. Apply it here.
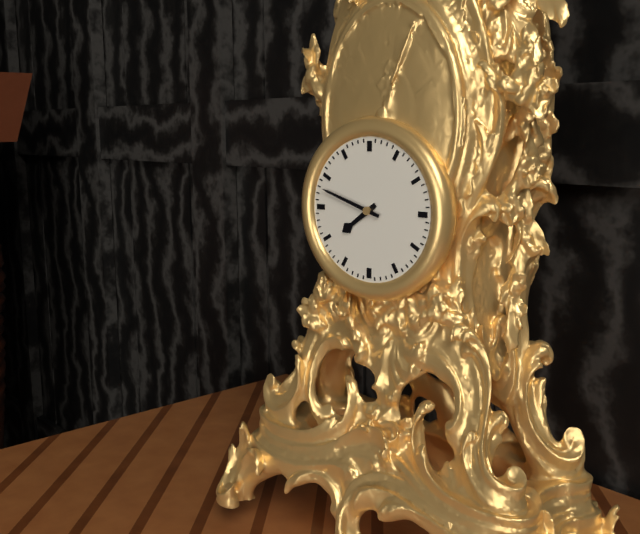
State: 7h48
